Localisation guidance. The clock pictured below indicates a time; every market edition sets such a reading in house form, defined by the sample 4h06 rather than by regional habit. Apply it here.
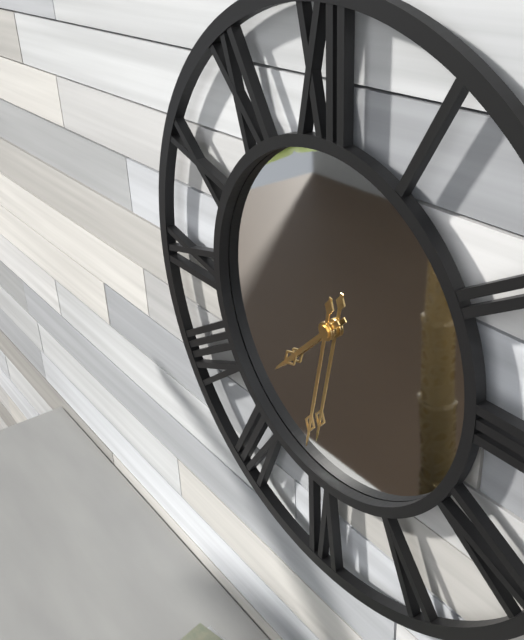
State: 7h32
